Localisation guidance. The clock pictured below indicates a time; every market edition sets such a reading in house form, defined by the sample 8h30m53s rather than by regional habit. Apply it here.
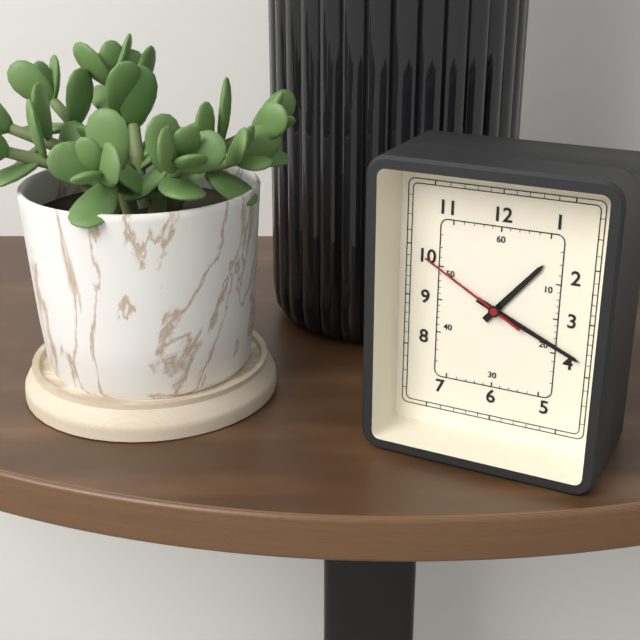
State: 1h19m50s
